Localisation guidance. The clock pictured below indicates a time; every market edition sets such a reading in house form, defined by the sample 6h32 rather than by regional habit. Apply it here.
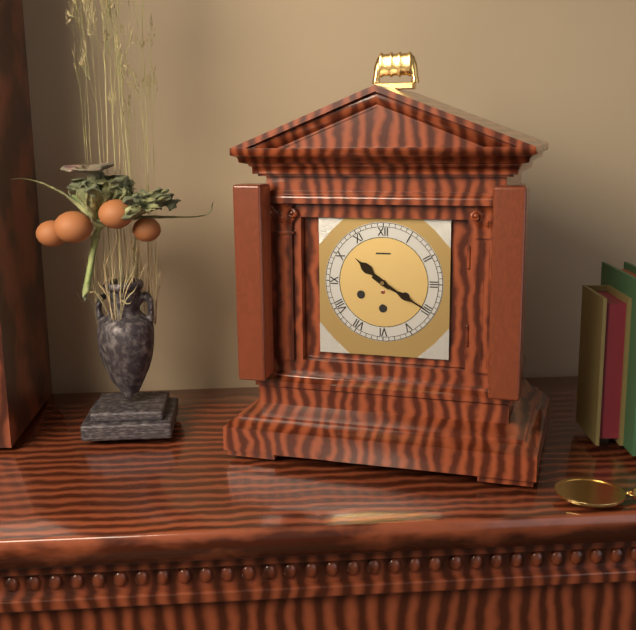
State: 10h20
